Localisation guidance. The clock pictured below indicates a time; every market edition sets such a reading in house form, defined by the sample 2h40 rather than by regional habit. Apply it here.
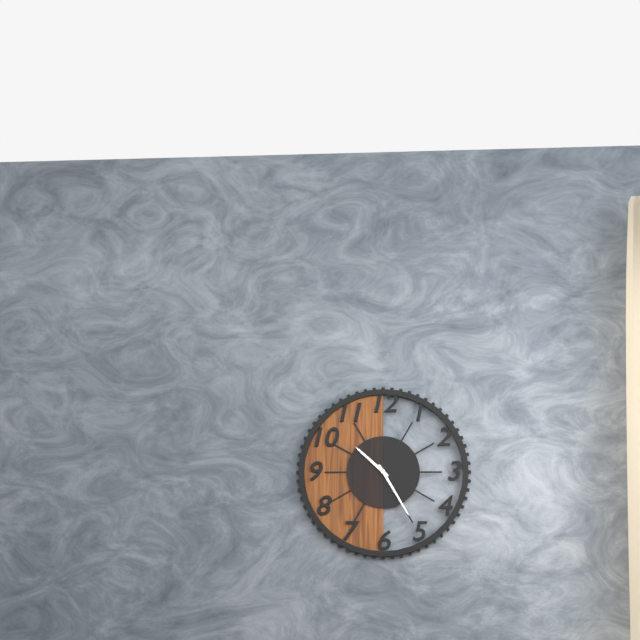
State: 10h25
